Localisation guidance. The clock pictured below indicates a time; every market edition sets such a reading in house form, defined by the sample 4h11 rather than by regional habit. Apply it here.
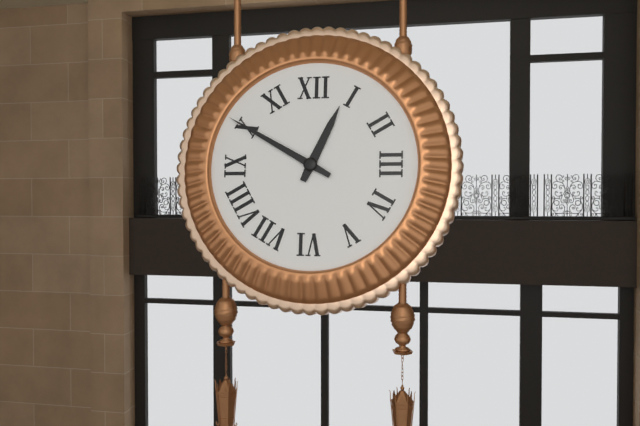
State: 12h50
